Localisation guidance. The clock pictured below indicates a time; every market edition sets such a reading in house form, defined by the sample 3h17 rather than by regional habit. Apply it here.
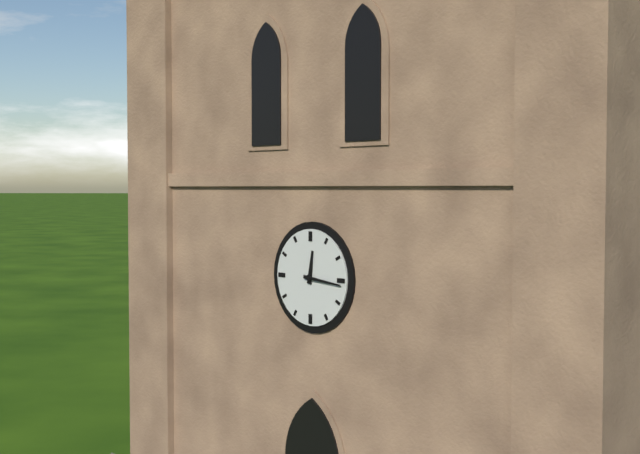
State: 12h16
